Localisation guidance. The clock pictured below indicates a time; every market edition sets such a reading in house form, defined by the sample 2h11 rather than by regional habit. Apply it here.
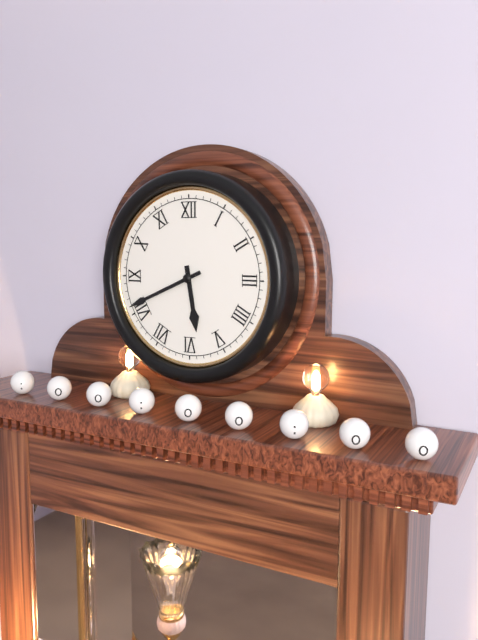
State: 5h41
